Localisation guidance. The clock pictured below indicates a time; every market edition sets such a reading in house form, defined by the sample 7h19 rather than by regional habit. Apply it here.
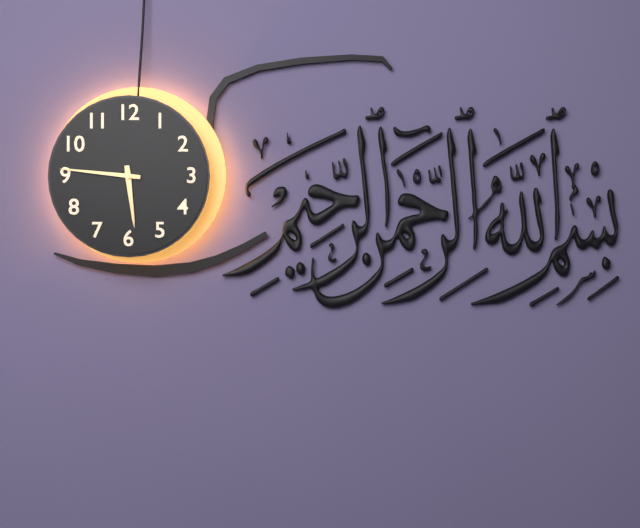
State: 5h46
